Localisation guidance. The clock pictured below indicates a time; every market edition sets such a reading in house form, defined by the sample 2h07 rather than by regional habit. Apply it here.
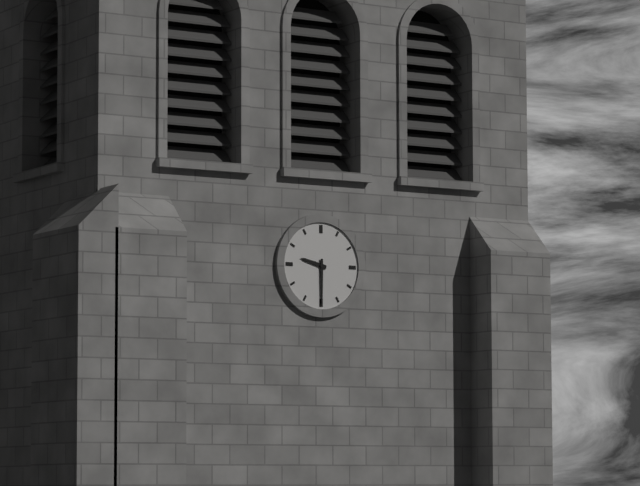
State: 9h30
